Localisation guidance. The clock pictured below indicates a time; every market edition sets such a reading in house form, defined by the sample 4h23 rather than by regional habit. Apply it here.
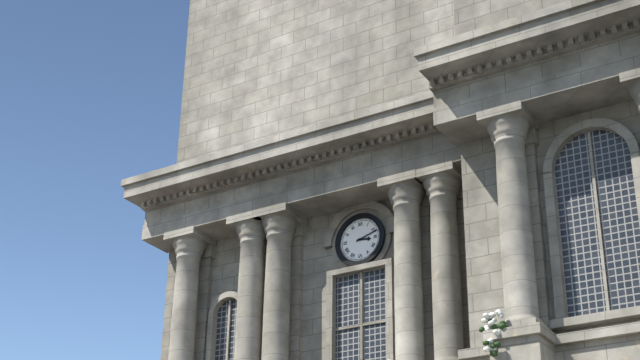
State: 3h12
